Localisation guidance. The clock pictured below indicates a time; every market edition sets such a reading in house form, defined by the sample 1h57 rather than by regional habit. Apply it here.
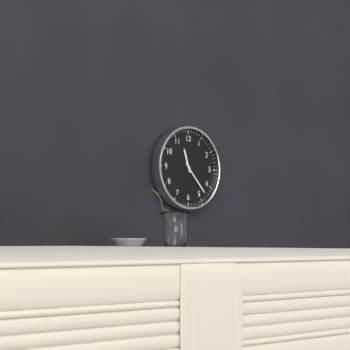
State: 11h23
